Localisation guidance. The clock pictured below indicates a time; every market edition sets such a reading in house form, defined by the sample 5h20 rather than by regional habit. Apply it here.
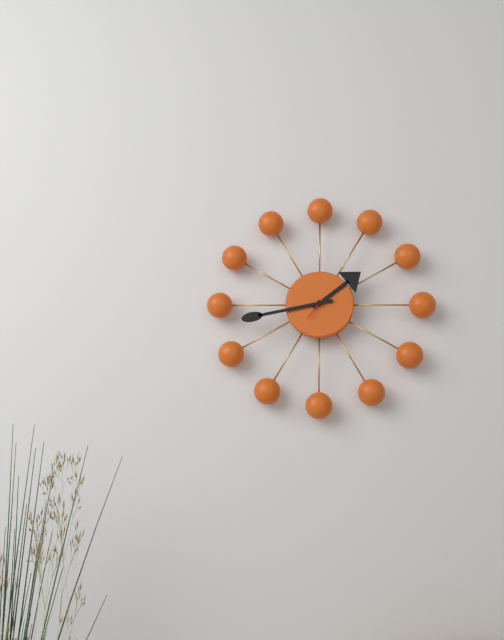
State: 1h43
